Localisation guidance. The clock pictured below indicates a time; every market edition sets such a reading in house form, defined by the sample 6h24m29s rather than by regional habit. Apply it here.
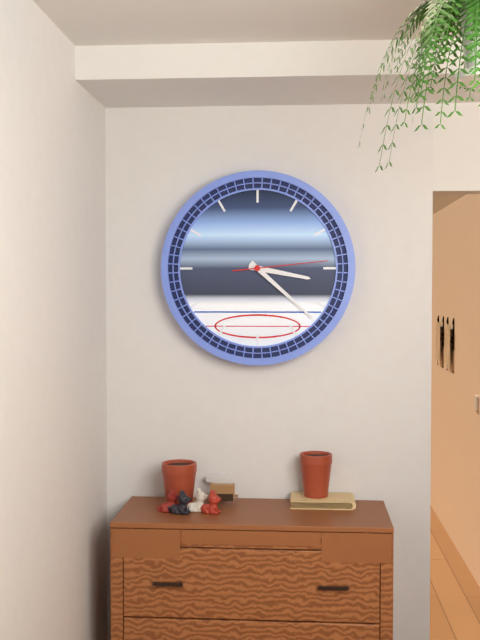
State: 3h22m14s
